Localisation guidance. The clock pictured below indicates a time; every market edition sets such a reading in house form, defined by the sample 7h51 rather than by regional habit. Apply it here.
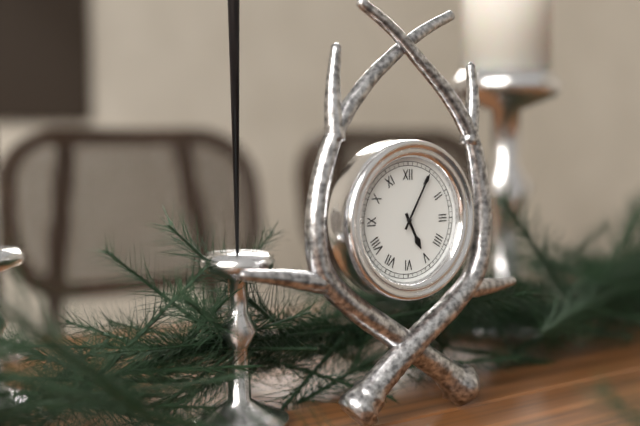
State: 5h05
